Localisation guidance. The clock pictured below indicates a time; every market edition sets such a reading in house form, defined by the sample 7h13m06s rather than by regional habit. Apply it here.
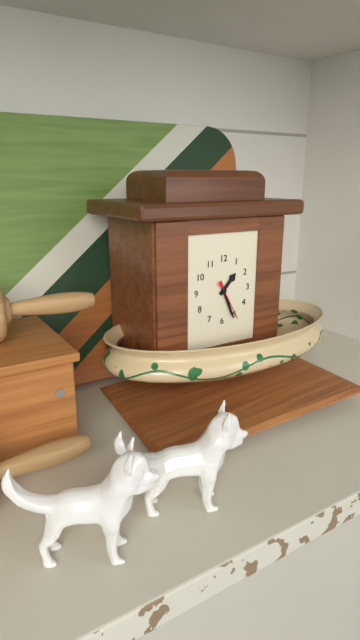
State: 1h26m25s
